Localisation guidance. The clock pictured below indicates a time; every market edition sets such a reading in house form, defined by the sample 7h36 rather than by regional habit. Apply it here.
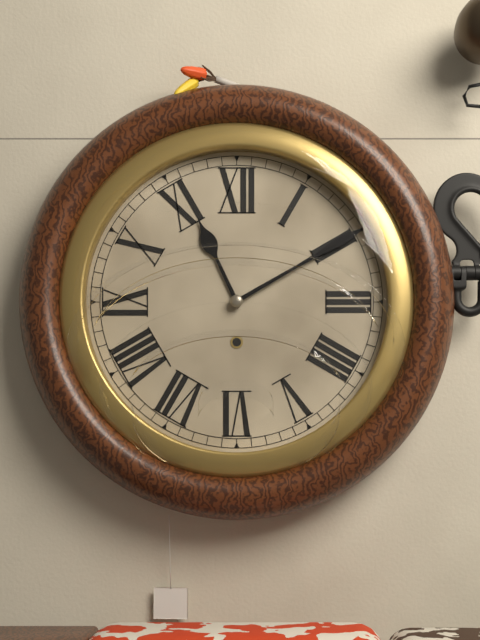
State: 11h10
